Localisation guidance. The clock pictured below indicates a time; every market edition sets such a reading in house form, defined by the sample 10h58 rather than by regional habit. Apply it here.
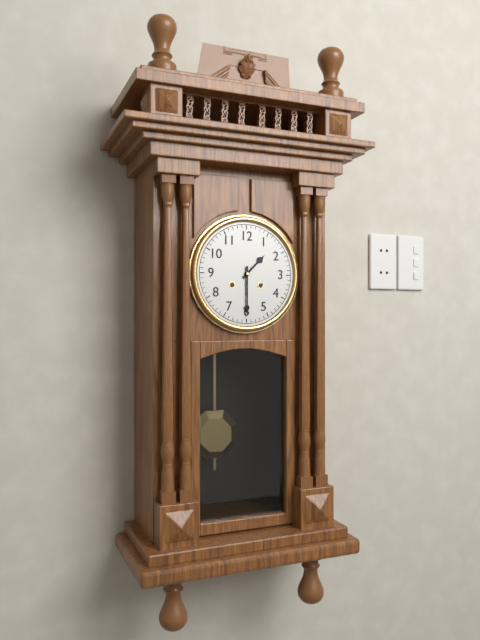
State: 1h30
